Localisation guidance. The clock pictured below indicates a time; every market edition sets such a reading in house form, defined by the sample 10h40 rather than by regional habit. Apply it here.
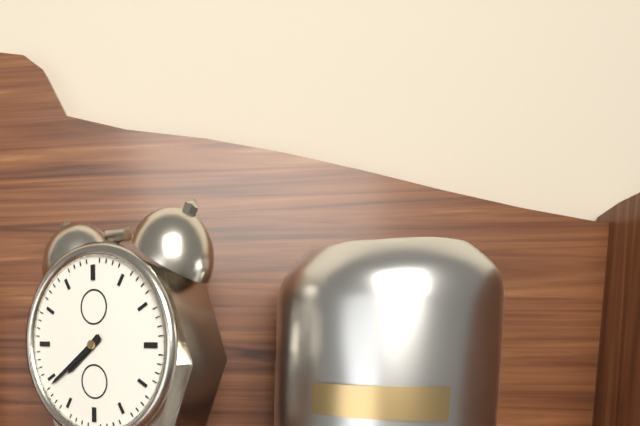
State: 7h39
